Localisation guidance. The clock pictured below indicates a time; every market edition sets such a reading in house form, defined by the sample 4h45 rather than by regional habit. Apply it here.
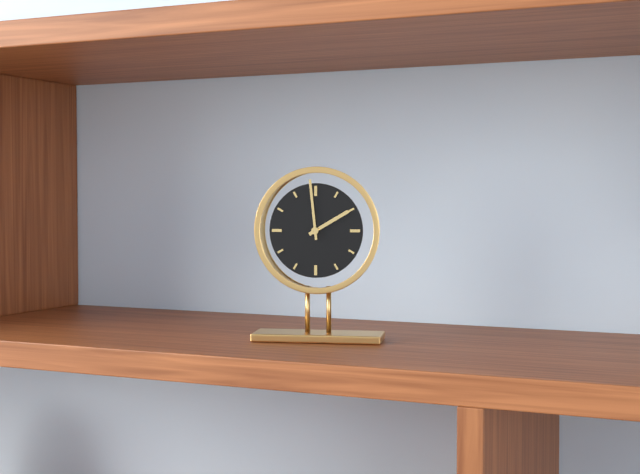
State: 1h59
